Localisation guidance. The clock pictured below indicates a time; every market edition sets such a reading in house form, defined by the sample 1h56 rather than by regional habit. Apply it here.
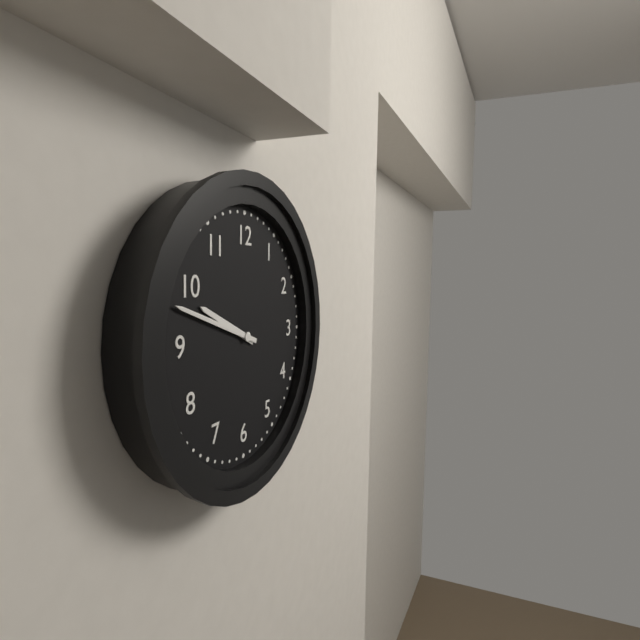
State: 9h48
